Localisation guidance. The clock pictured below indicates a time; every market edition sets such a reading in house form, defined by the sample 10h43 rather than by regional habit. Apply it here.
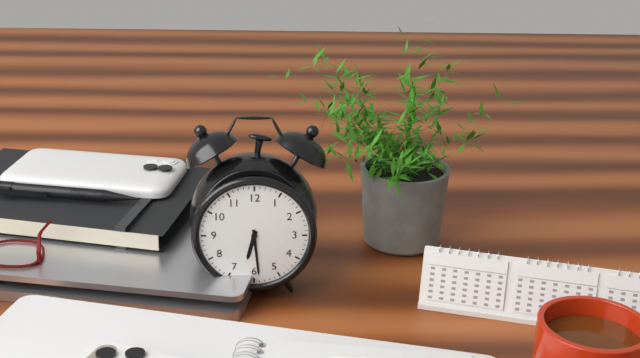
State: 6h29
